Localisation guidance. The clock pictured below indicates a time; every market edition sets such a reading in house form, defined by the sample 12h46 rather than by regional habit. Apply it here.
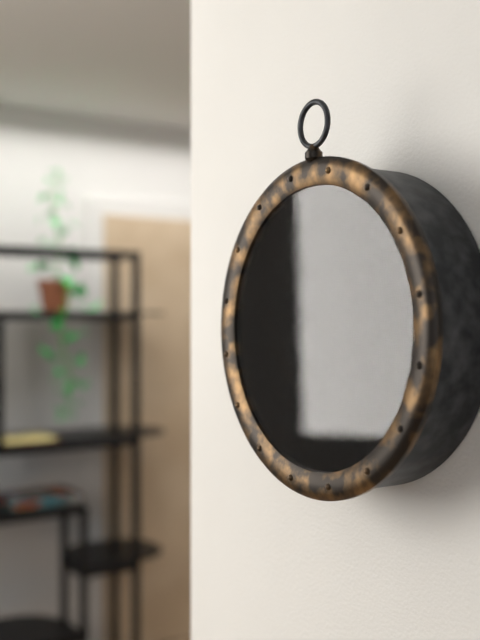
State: 9h10
